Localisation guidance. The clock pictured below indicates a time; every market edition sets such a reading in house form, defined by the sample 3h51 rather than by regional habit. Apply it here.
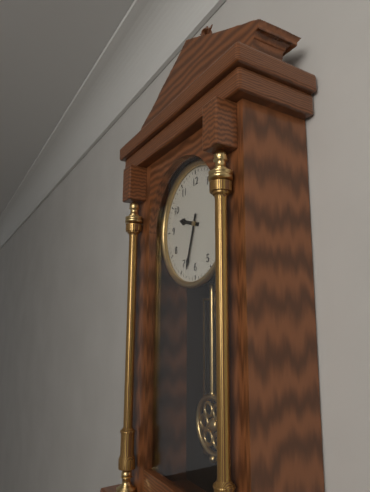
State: 9h33
